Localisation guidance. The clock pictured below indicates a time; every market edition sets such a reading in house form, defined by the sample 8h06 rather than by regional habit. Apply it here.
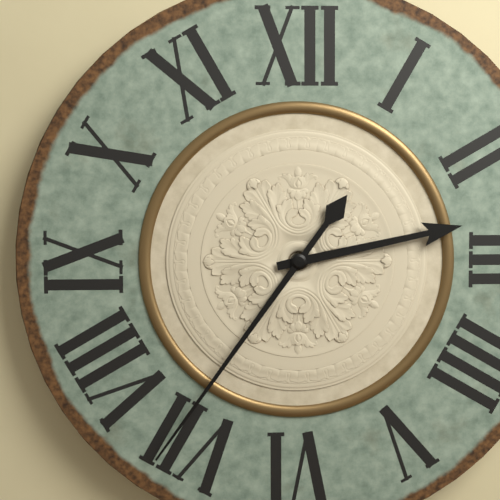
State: 2h36
